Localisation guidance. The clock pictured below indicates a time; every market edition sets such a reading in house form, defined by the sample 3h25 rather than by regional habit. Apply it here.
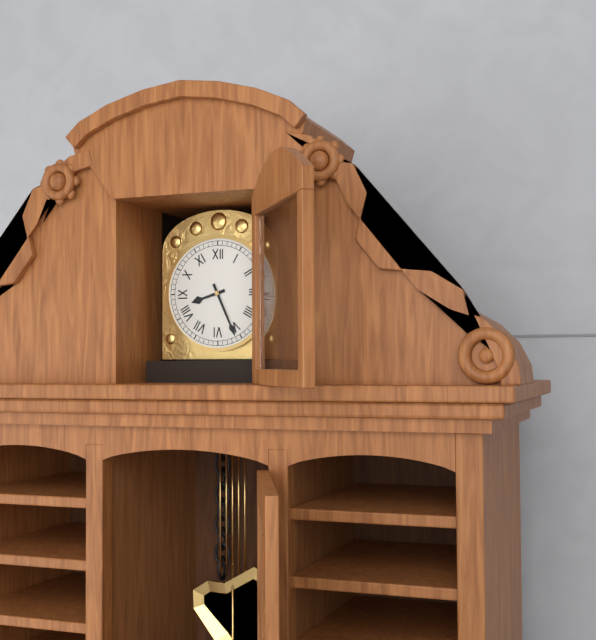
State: 8h26
